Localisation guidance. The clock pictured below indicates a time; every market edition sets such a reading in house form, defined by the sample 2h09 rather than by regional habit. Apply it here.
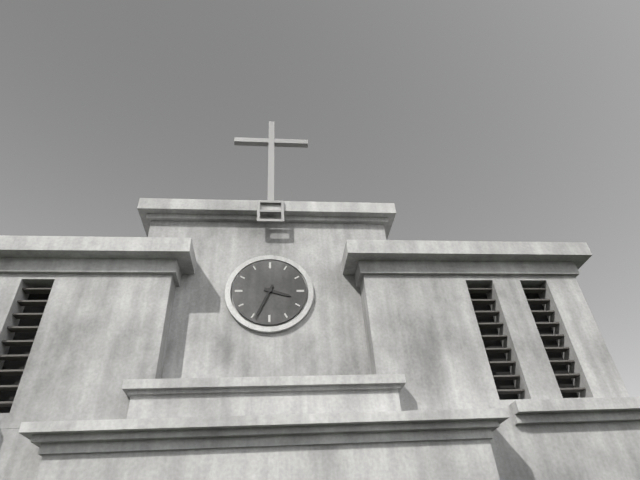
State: 3h34
